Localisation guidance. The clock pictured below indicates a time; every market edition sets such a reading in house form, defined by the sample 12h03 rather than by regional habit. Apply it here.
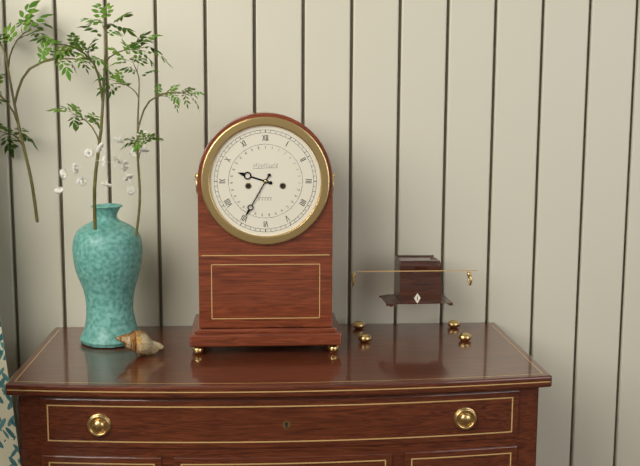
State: 9h35
